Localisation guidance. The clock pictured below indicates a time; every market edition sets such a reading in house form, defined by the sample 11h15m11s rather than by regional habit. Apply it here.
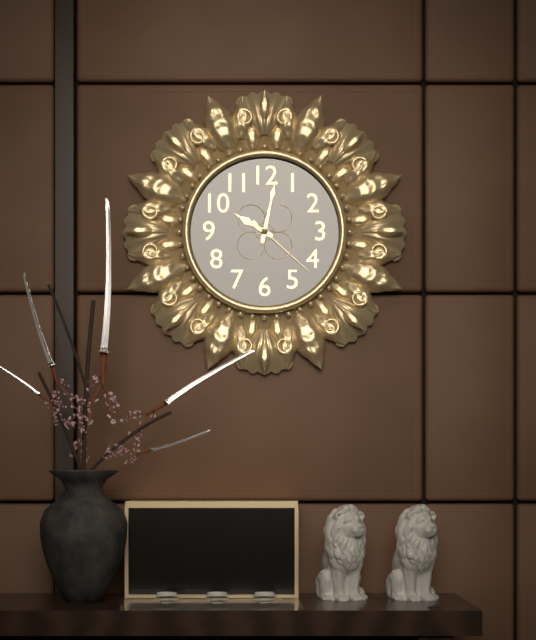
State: 10h02m22s
